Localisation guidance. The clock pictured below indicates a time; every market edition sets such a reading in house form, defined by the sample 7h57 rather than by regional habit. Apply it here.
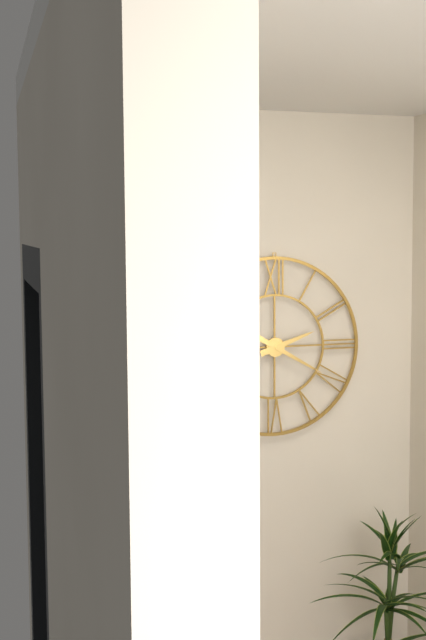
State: 2h20
